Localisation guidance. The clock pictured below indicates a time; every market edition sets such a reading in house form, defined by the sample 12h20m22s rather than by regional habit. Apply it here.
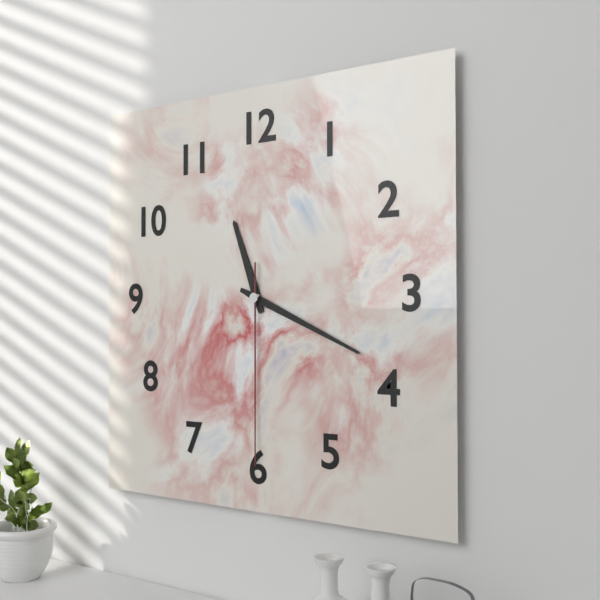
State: 11h19m30s
